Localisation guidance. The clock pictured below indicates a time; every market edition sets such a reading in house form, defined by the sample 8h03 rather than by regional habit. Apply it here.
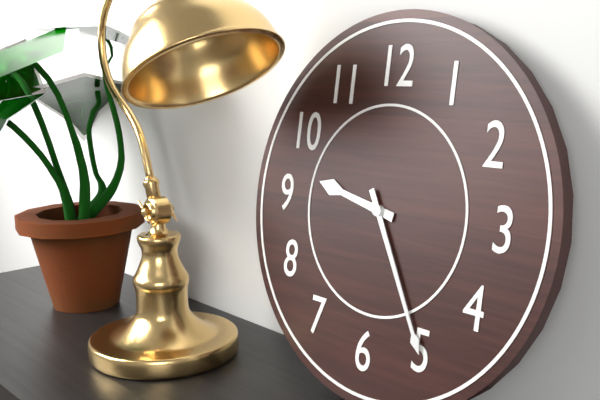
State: 9h25
